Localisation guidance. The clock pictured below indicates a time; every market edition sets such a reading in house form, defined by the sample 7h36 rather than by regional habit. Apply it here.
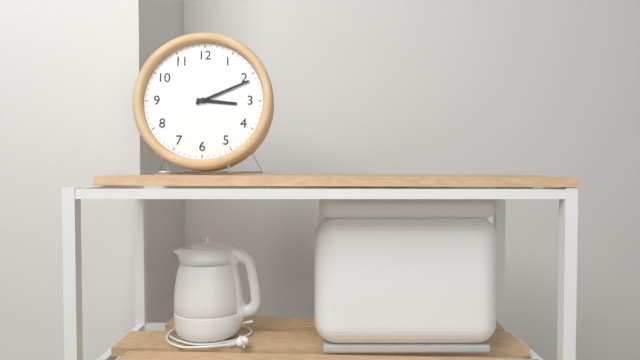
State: 3h11
